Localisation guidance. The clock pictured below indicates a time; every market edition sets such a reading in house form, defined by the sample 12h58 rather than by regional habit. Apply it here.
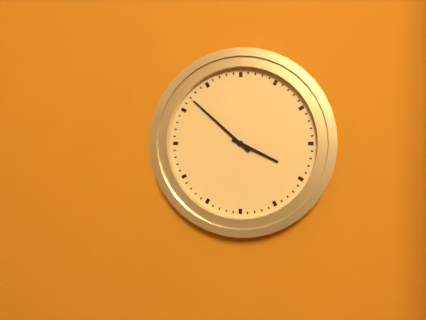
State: 3h52
